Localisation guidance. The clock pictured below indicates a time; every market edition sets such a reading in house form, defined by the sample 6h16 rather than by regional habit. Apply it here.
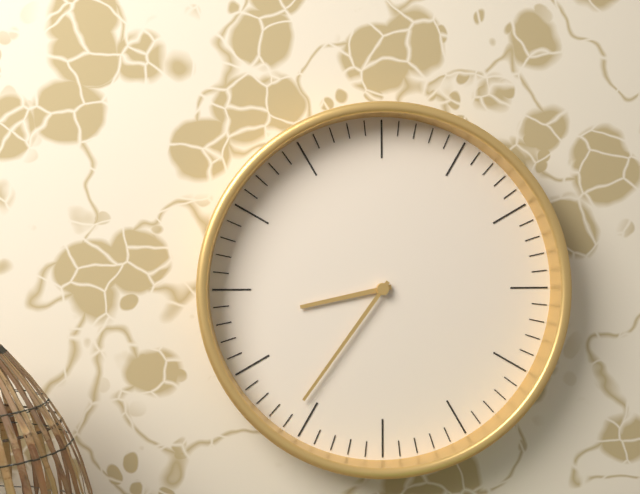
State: 8h36
